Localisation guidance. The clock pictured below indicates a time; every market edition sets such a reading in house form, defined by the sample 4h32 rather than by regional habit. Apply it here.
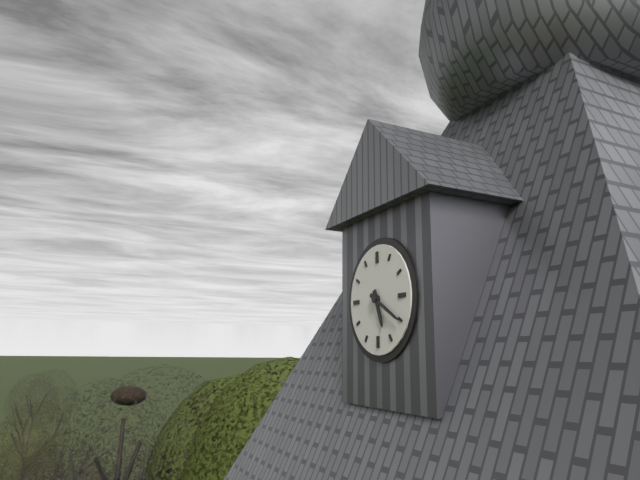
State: 5h20
